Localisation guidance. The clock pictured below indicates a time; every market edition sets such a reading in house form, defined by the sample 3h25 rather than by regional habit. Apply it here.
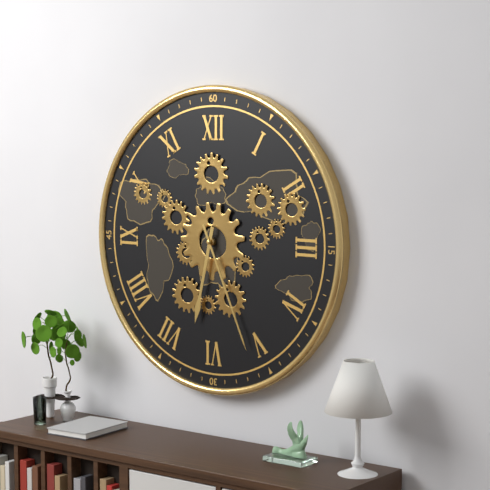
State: 6h26
